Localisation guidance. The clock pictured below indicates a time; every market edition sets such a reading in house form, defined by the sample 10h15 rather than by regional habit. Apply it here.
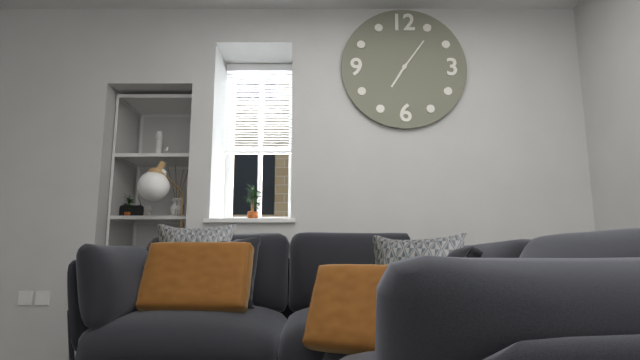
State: 7h06
